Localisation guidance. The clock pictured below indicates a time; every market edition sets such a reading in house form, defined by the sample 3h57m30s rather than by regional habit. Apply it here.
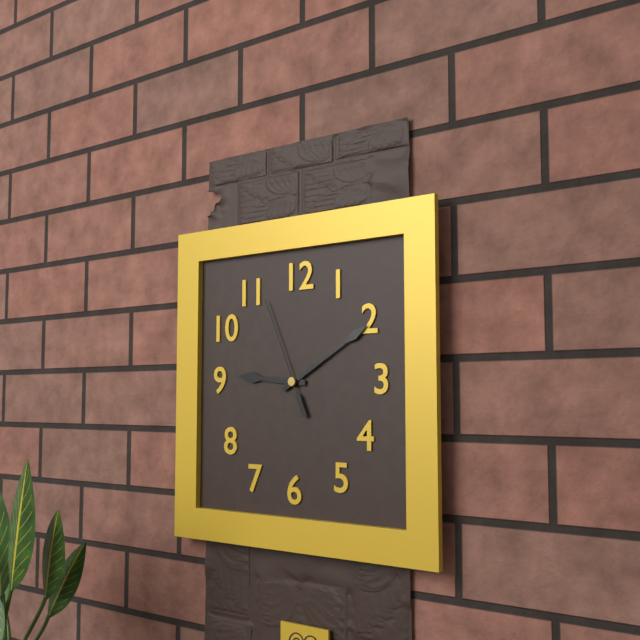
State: 9h10m56s
